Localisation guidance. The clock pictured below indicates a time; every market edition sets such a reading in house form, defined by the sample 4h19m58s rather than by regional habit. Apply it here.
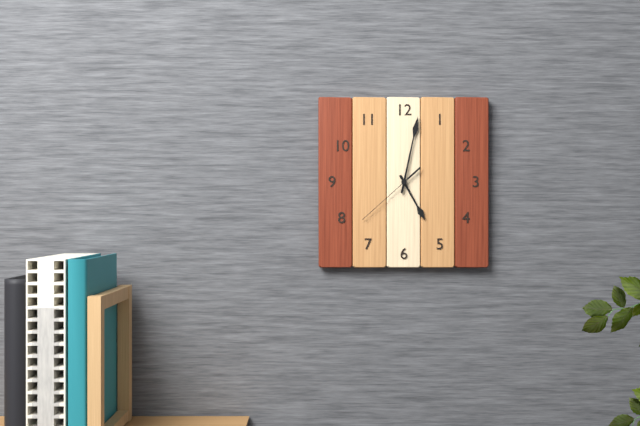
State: 5h02m38s
